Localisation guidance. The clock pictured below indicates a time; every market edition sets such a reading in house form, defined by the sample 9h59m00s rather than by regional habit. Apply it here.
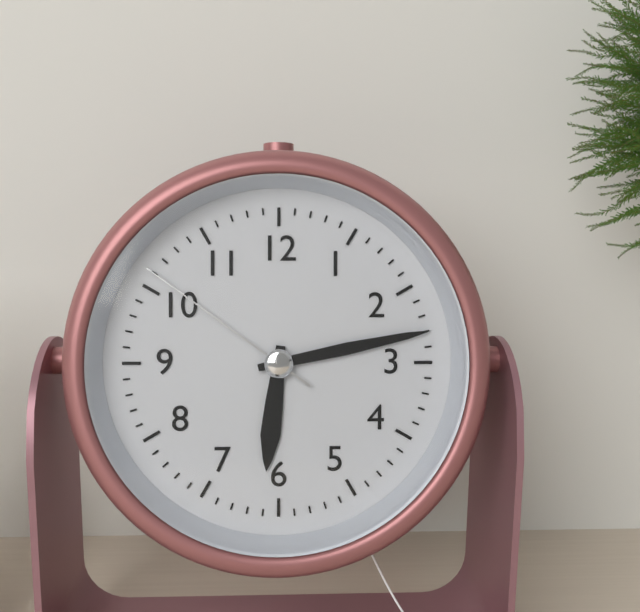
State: 6h13m51s
